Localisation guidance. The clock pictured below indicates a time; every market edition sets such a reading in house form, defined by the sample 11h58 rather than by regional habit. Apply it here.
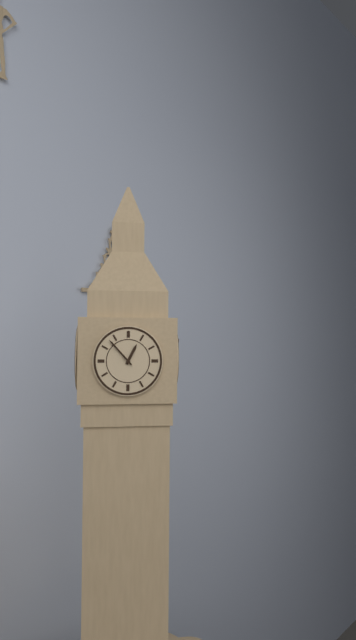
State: 12h53
